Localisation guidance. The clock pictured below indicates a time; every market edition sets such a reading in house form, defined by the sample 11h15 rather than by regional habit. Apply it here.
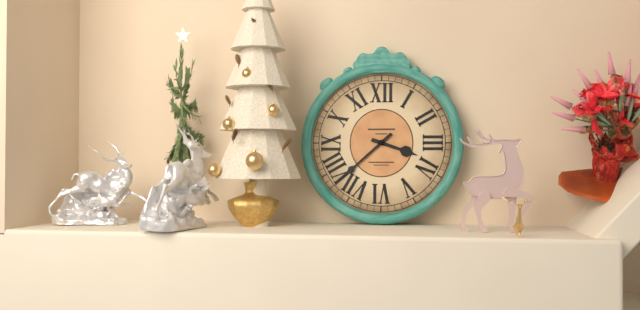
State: 3h38
